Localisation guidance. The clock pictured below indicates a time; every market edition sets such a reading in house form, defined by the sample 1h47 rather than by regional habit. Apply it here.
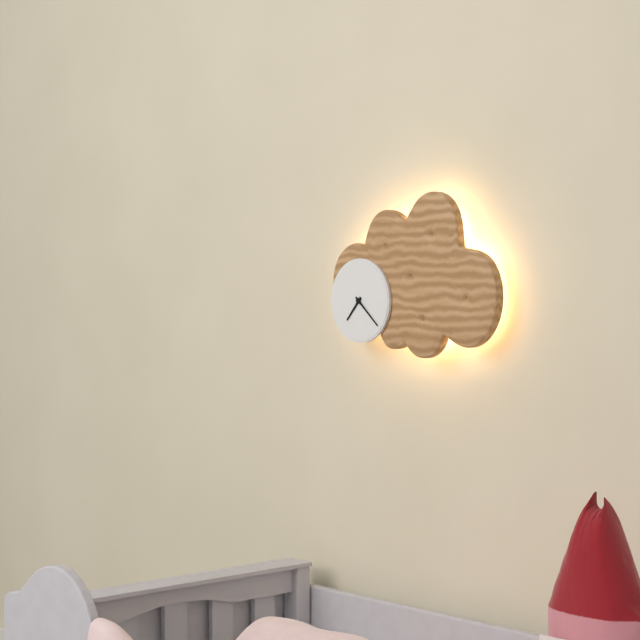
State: 7h22
